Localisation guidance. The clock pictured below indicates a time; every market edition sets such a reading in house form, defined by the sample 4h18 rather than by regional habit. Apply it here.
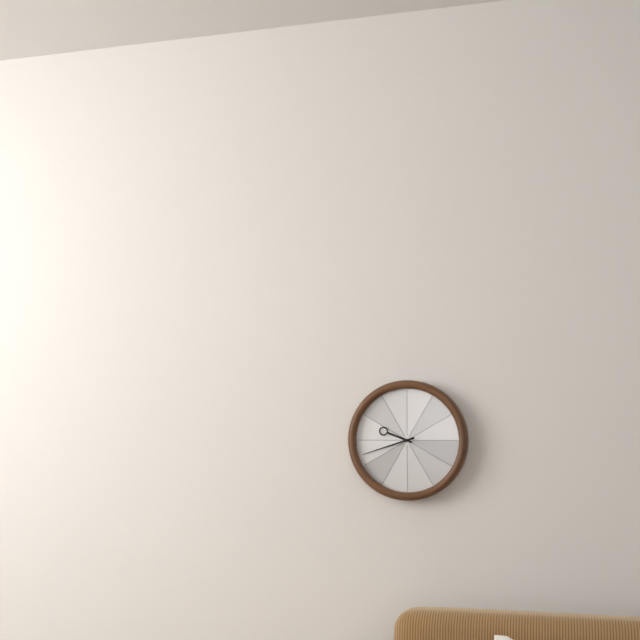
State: 9h42
